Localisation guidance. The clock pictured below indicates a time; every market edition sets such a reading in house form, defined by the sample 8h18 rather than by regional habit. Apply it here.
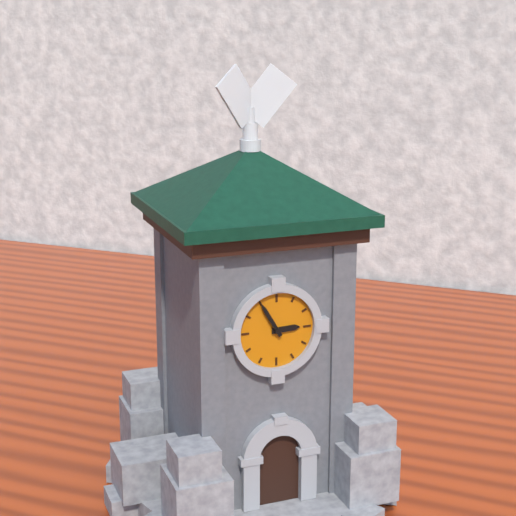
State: 2h55
